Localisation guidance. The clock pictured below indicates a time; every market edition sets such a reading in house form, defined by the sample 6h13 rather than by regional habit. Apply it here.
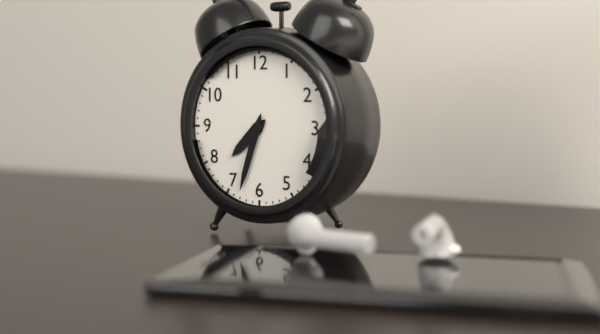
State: 7h33
